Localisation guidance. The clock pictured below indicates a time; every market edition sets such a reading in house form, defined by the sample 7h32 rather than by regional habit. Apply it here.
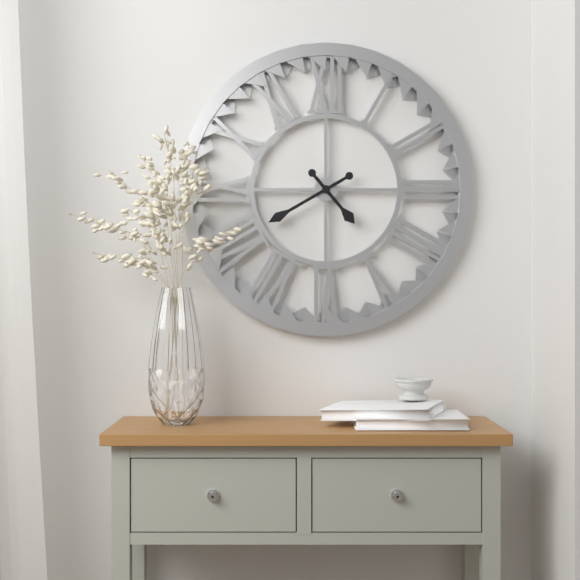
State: 4h40
